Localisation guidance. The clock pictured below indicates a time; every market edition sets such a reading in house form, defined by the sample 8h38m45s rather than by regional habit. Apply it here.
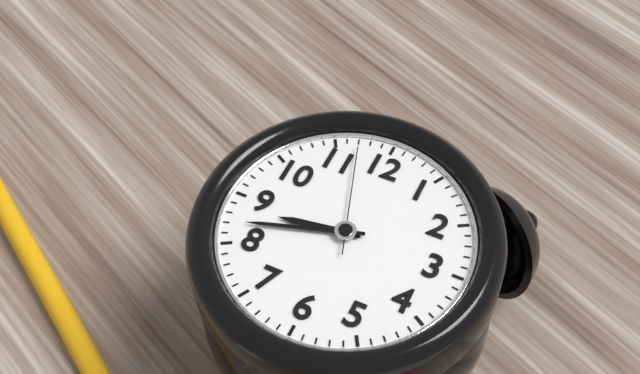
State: 8h42m57s
